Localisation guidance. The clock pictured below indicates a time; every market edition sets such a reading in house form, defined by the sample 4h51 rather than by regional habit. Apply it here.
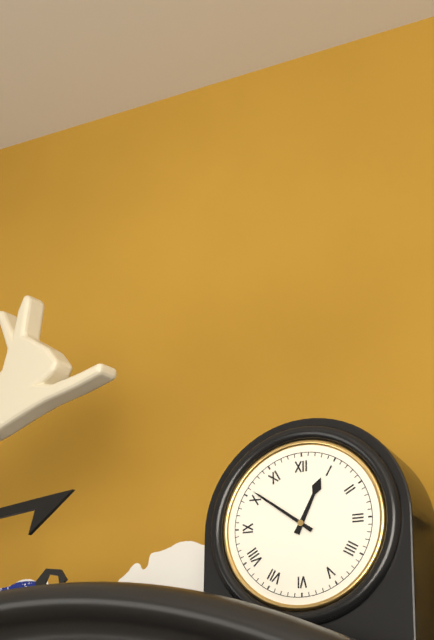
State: 12h51
